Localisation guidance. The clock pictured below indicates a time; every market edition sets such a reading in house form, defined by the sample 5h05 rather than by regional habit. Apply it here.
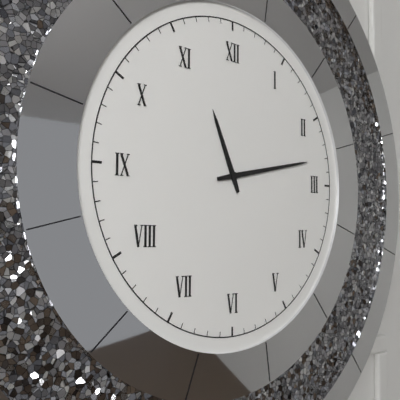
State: 11h13
